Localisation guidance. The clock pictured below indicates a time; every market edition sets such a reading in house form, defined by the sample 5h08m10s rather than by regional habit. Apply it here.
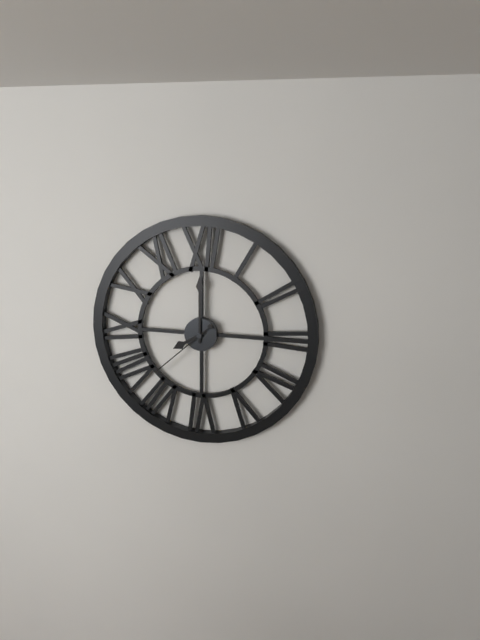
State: 8h00m38s
